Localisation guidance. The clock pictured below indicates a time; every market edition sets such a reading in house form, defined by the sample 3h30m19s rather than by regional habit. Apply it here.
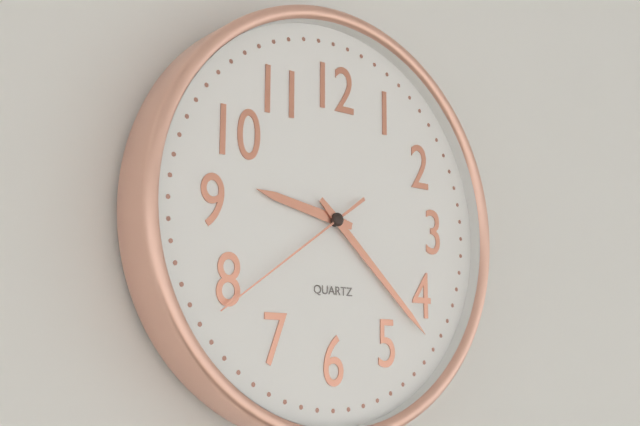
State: 9h22m39s
